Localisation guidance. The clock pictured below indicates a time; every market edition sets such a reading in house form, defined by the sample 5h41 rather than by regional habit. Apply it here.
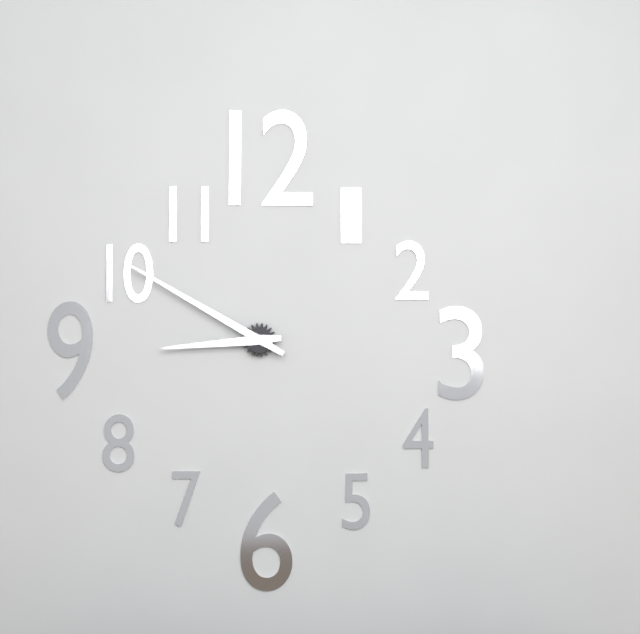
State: 8h50
